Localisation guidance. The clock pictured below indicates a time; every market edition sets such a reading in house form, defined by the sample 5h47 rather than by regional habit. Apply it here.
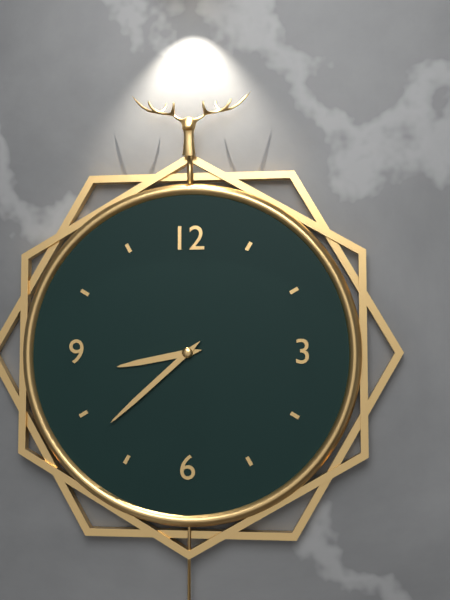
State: 8h38
